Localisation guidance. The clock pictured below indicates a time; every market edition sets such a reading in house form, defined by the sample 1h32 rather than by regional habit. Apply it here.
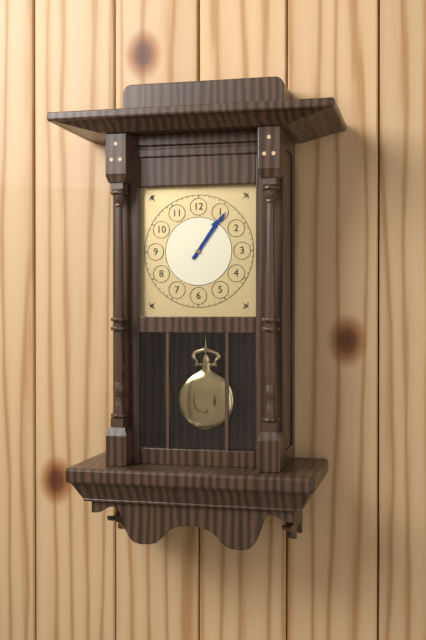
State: 1h06
